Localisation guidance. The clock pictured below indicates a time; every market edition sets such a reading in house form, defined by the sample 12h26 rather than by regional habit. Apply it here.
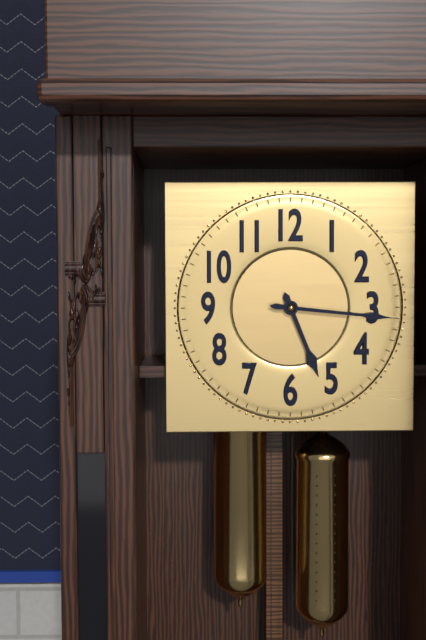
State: 5h16
